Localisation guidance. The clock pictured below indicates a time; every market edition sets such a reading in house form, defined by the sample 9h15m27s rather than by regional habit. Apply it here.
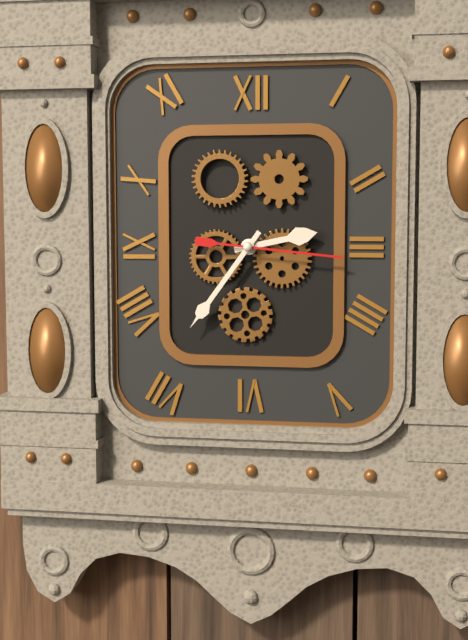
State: 2h36m16s
